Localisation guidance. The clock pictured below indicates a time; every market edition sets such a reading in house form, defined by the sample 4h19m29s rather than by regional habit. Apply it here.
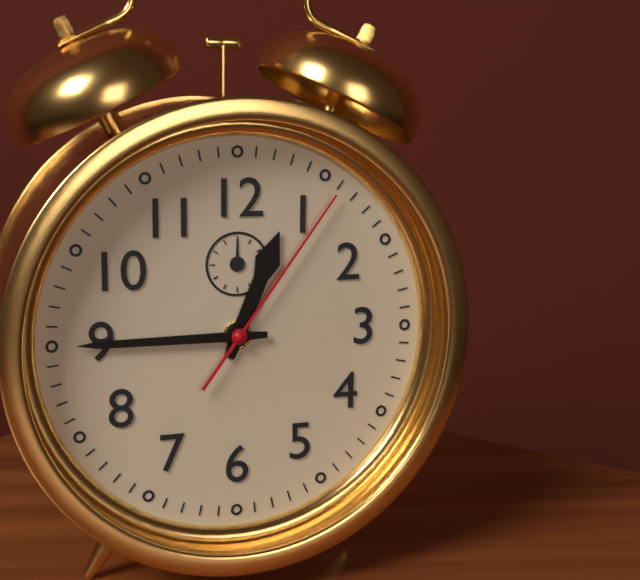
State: 12h45m06s
